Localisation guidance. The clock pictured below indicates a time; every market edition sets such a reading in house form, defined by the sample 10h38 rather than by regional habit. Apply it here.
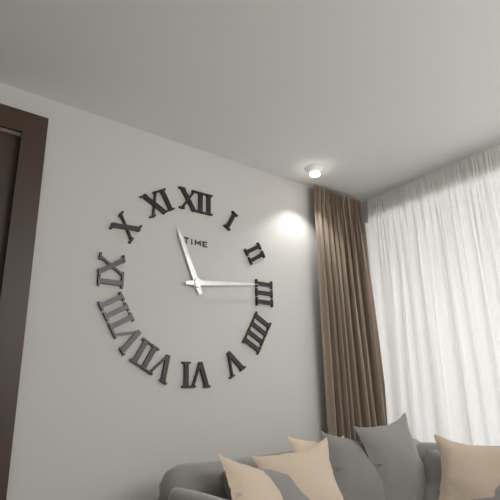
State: 11h14
